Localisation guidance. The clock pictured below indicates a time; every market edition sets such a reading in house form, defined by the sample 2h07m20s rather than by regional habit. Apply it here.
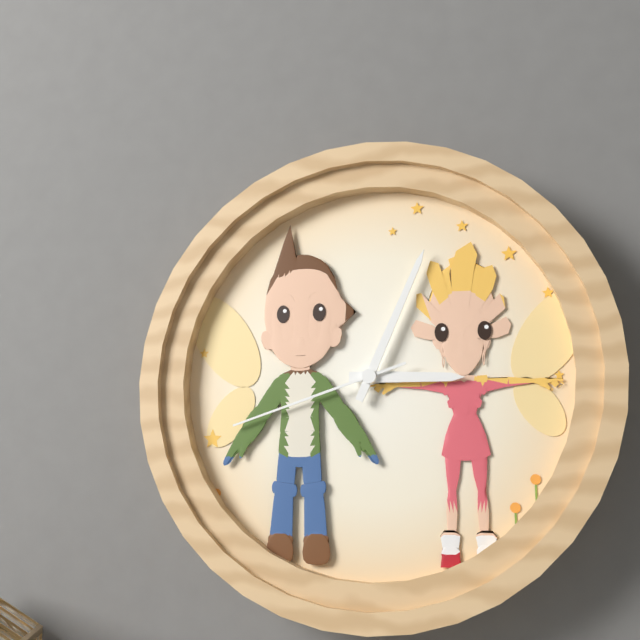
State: 3h04m42s
